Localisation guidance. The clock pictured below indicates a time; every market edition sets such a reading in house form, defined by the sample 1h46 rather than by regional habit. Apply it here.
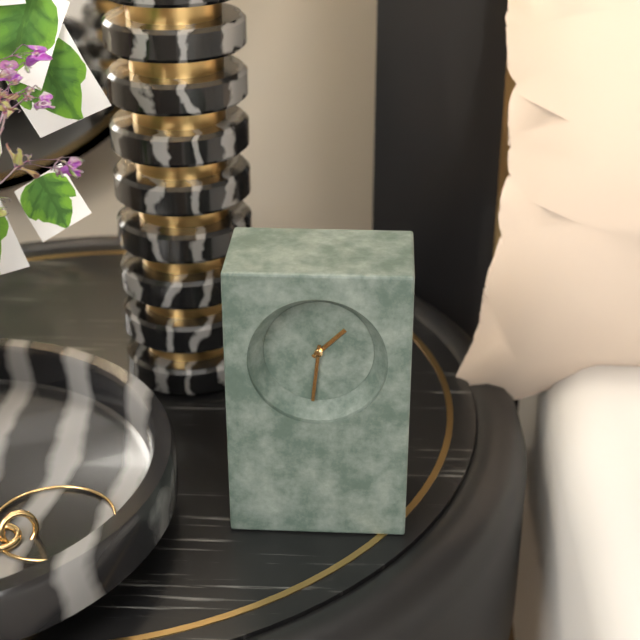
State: 1h31
